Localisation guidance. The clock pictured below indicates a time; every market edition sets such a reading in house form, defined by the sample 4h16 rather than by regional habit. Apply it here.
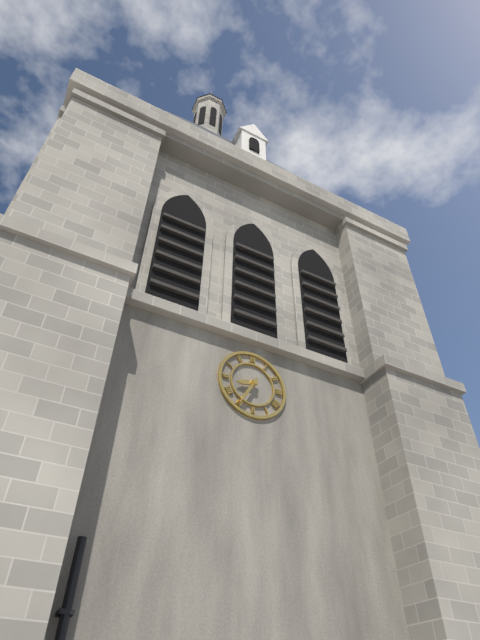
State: 8h35
